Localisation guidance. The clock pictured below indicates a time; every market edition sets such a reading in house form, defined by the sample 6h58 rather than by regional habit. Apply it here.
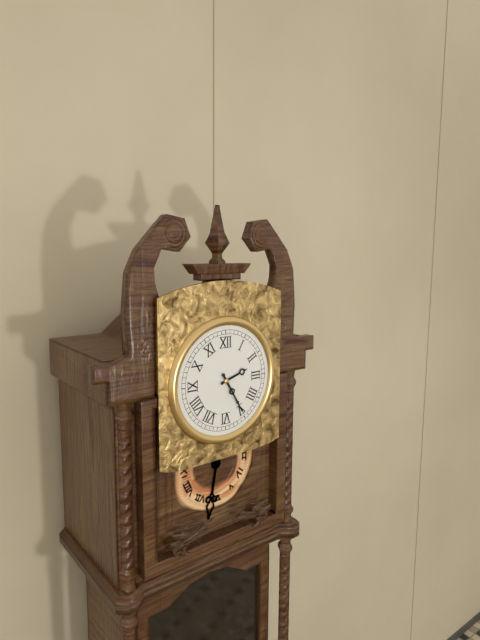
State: 2h25
